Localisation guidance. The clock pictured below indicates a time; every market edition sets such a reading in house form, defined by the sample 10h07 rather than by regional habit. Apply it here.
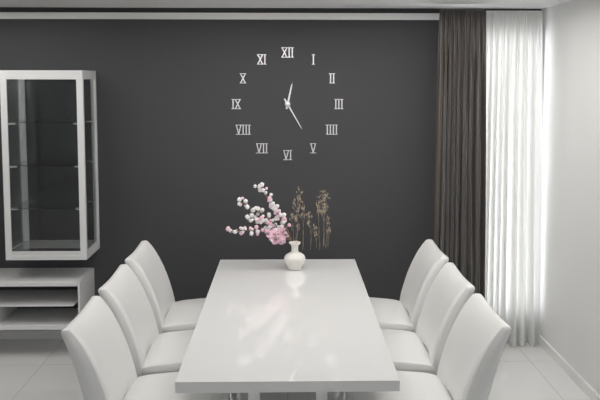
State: 12h25
